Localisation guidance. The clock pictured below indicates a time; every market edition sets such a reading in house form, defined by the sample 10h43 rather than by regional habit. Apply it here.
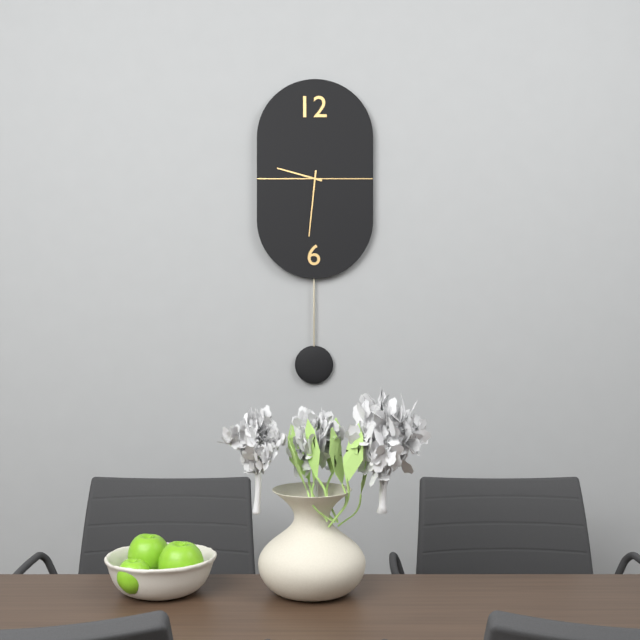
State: 9h31
